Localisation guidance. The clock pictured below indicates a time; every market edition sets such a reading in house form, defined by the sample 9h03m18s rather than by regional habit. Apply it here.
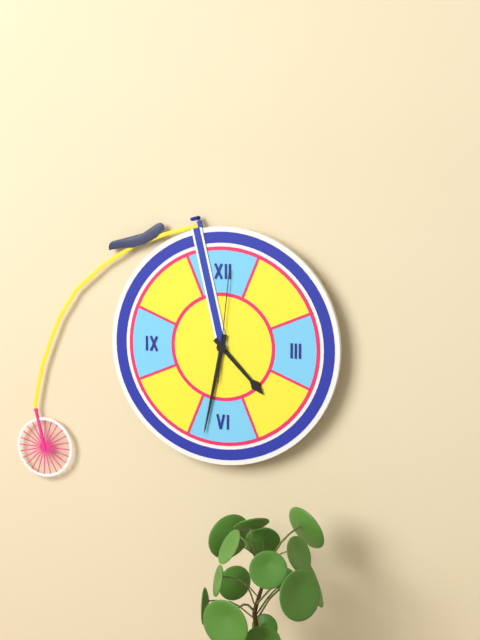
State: 4h32m01s
